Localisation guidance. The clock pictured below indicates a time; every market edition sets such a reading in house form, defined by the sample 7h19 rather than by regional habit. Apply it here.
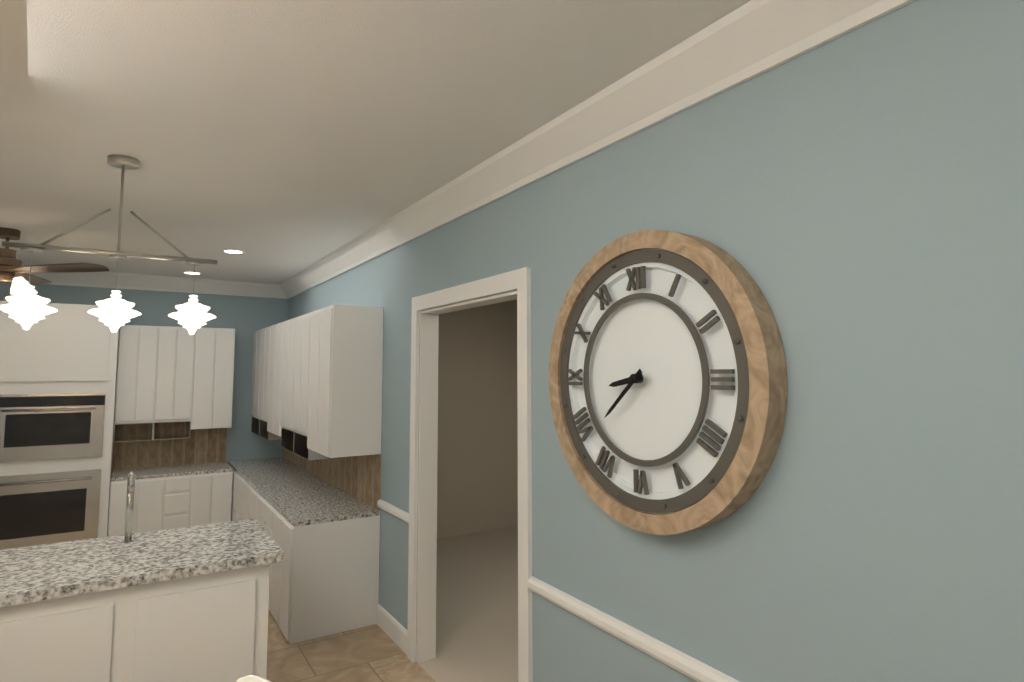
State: 8h38
